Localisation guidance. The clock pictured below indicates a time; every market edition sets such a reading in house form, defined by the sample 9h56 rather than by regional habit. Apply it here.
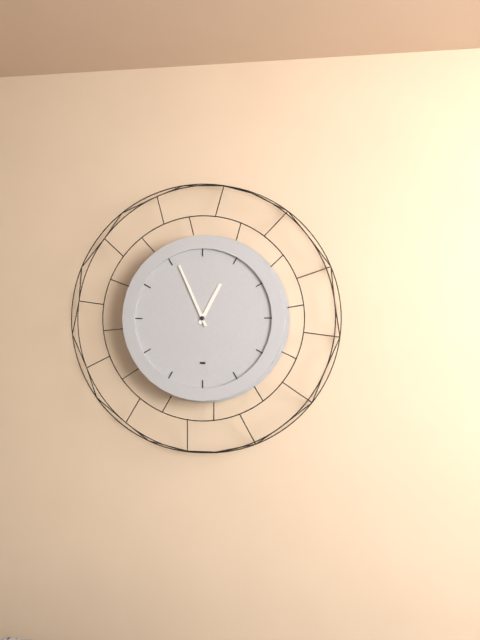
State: 12h56
